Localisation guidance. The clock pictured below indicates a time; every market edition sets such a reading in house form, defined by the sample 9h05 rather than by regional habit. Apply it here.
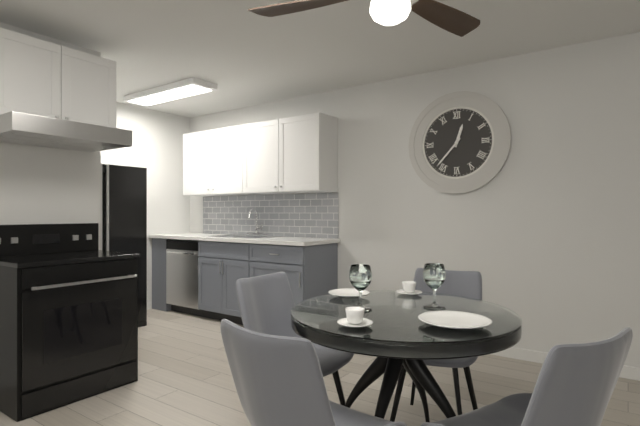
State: 12h37
